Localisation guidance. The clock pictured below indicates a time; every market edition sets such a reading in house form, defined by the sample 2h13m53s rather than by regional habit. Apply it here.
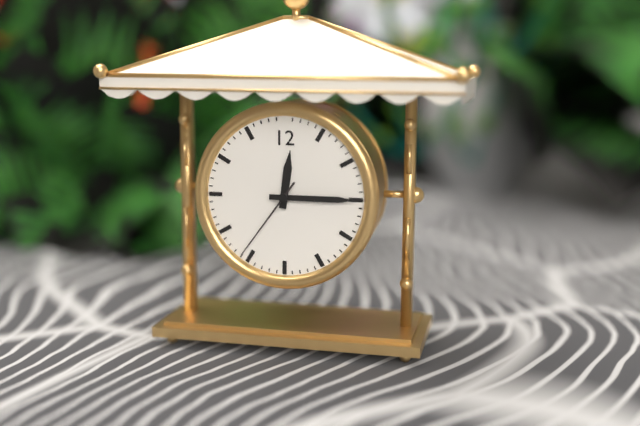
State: 12h15m36s
